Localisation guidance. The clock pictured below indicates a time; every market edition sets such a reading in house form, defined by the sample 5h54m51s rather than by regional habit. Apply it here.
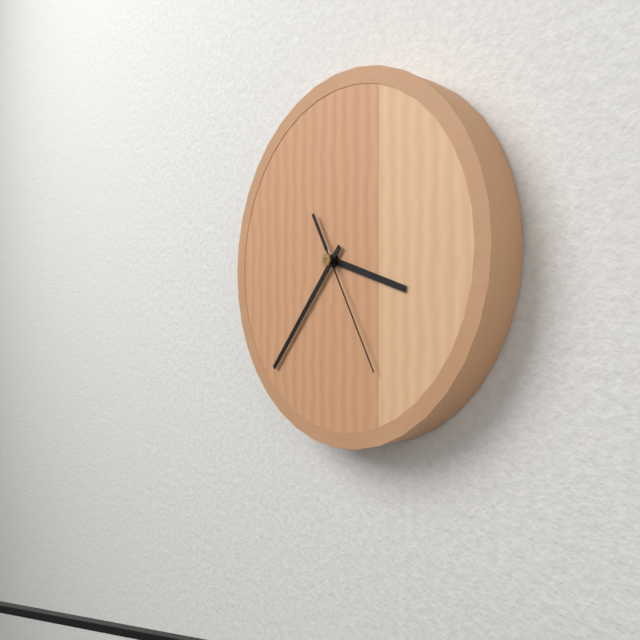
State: 3h37m25s
